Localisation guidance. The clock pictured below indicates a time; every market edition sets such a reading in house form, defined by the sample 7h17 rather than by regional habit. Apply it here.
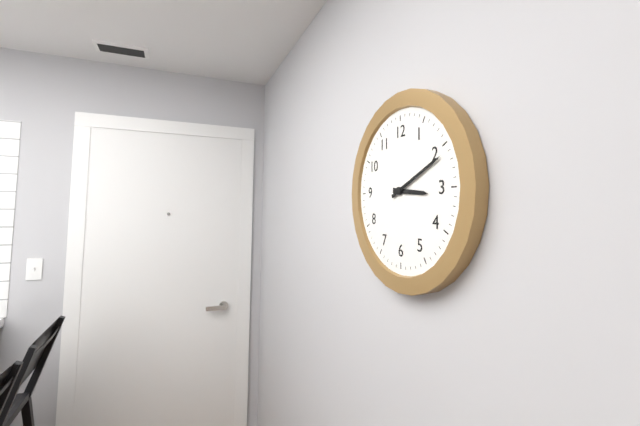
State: 3h11
